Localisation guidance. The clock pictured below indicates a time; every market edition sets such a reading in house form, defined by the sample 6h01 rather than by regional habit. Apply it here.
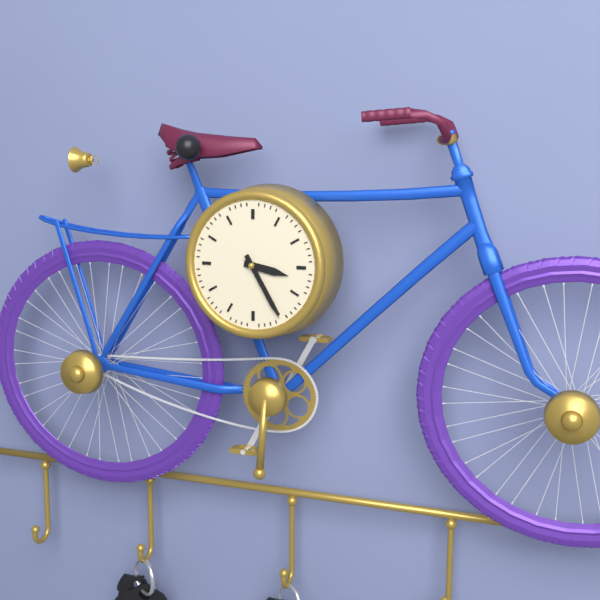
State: 3h25
